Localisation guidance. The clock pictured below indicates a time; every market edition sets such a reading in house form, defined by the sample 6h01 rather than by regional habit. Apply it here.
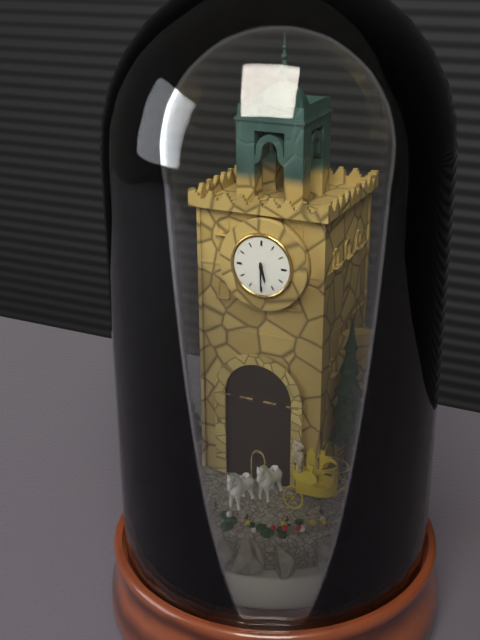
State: 5h30
